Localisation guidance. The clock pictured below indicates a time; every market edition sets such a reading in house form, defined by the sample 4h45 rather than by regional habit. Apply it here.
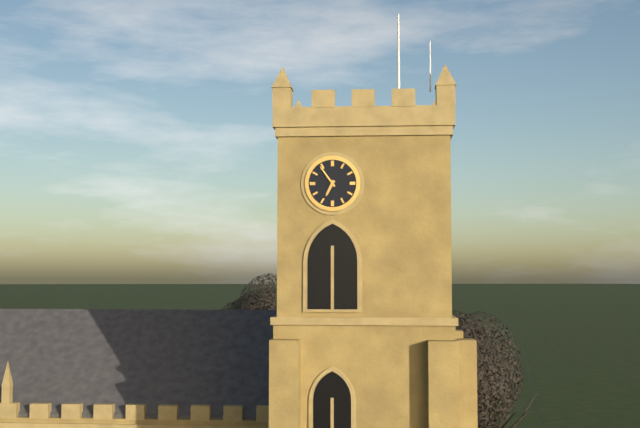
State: 6h54
